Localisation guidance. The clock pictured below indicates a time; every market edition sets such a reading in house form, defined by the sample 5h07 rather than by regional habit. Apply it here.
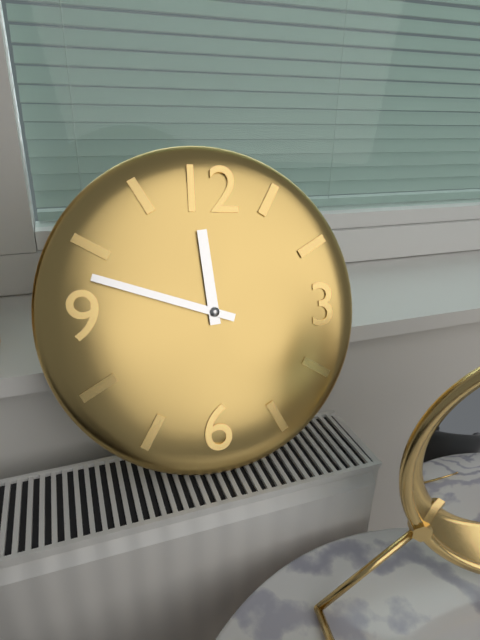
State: 11h48
